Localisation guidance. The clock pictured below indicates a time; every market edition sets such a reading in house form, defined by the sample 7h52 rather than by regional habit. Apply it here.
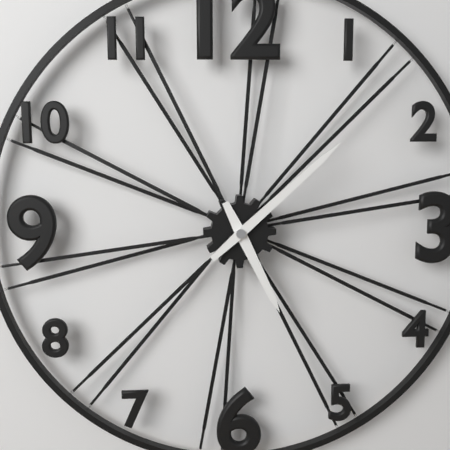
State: 5h08
